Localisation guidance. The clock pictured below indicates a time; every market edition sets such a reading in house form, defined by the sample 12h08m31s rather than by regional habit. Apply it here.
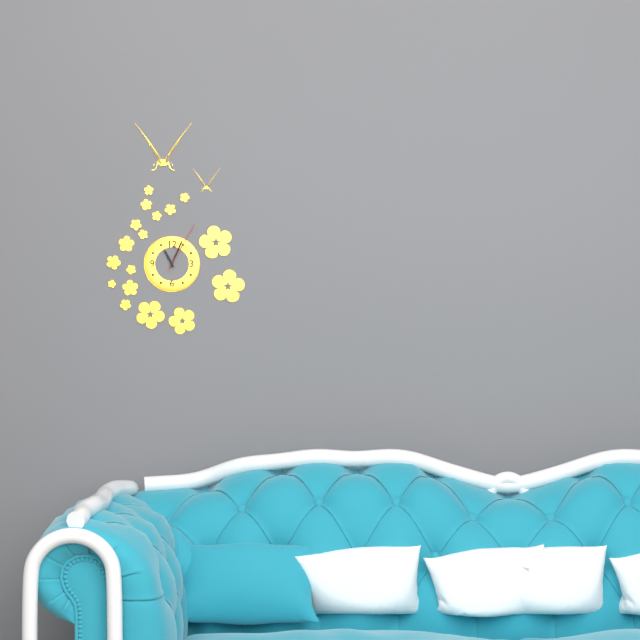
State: 11h04m05s
